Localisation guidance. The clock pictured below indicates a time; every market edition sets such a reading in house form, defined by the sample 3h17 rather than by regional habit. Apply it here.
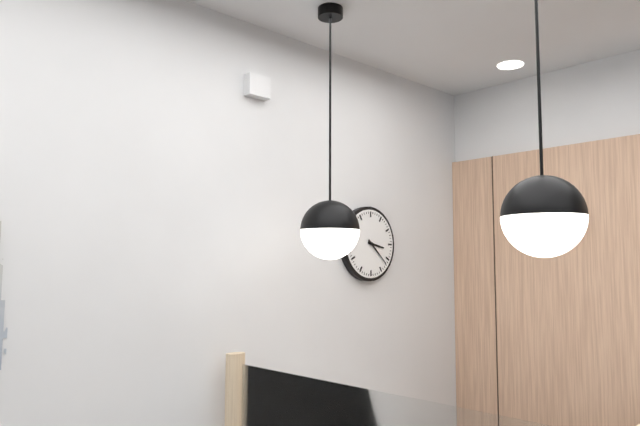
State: 3h22
